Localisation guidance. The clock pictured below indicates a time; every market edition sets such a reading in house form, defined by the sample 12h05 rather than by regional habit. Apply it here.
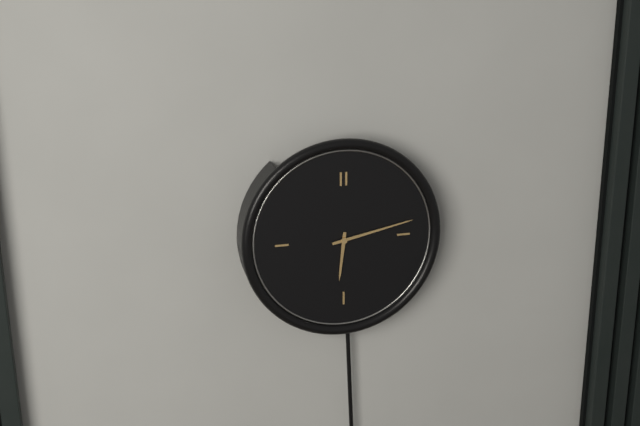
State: 6h13
